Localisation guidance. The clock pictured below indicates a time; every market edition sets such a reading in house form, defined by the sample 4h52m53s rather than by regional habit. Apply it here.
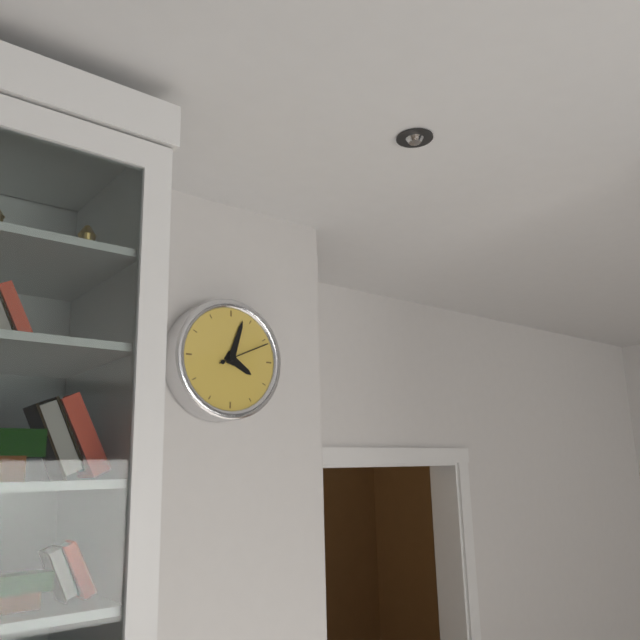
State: 4h03m11s
